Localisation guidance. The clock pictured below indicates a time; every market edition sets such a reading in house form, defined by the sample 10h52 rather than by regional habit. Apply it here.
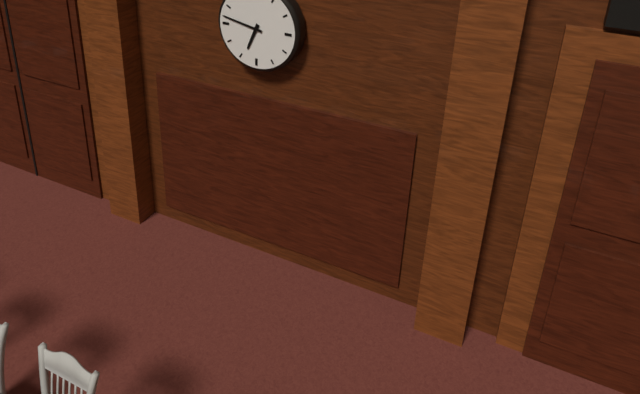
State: 6h47
